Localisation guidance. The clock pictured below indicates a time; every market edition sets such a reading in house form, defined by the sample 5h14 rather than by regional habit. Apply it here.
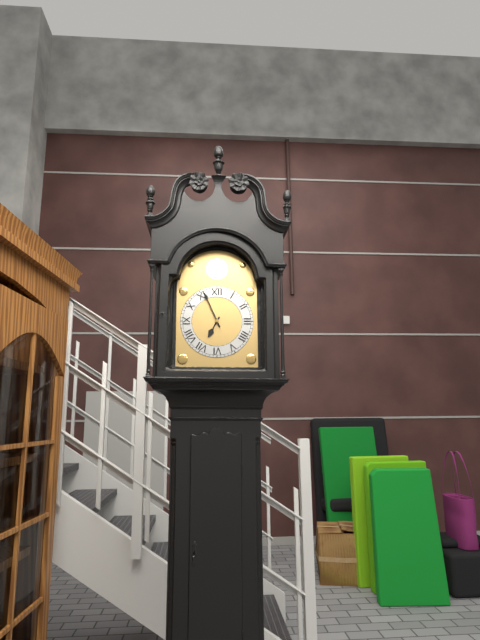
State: 6h56
